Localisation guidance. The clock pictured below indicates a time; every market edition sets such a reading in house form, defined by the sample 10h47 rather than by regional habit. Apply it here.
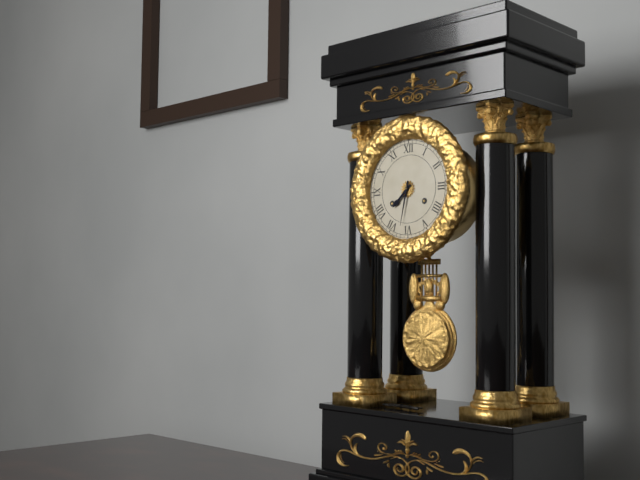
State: 7h32
